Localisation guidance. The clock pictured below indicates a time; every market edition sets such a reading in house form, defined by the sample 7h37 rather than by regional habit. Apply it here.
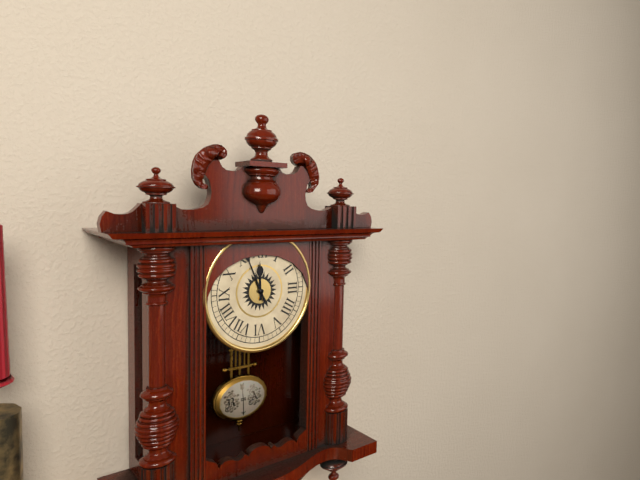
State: 11h56
